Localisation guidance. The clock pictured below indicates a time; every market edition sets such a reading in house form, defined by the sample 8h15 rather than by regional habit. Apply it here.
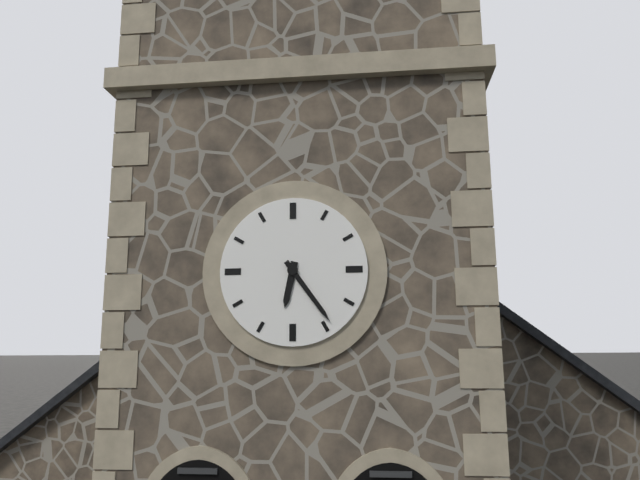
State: 6h24
